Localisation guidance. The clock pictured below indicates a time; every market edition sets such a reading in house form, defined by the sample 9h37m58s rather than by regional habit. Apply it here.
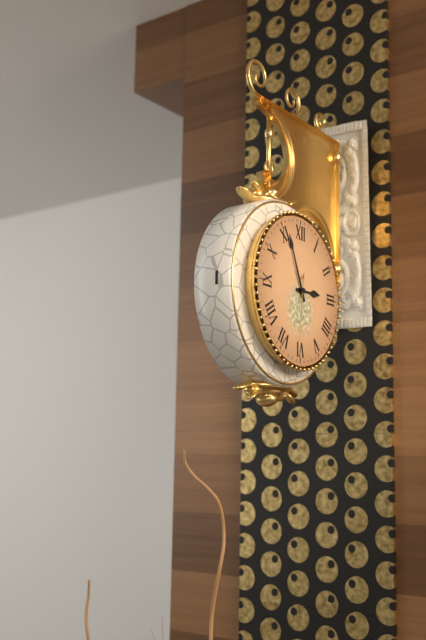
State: 2h56m31s
